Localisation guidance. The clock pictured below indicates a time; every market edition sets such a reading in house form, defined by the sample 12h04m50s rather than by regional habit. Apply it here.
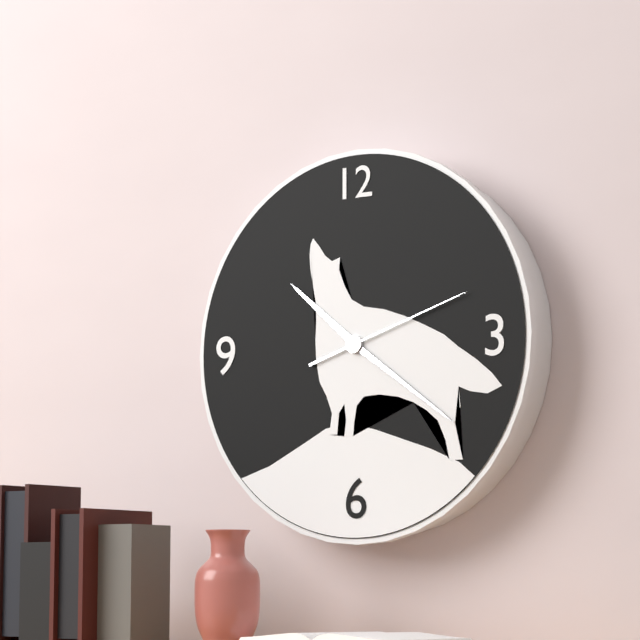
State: 10h21m12s
